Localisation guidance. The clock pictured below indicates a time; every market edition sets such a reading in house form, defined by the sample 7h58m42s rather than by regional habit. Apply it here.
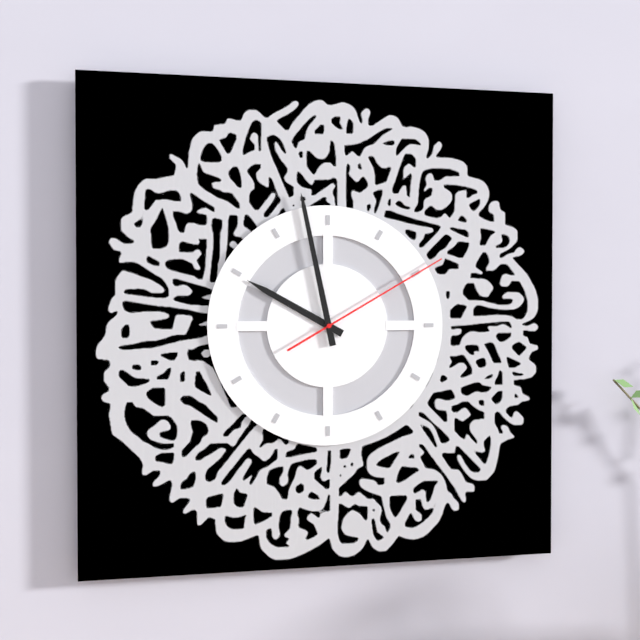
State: 9h58m10s
